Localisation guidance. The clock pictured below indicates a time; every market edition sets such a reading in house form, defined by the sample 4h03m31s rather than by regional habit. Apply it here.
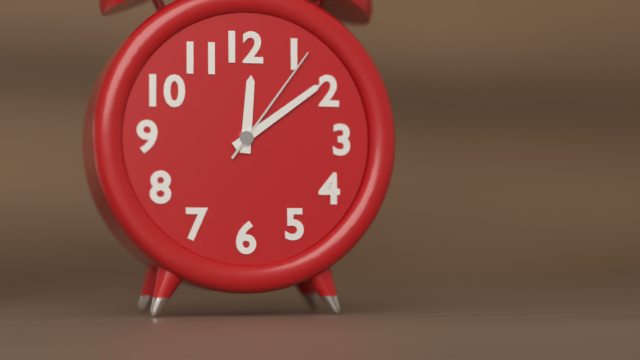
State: 12h09m06s
